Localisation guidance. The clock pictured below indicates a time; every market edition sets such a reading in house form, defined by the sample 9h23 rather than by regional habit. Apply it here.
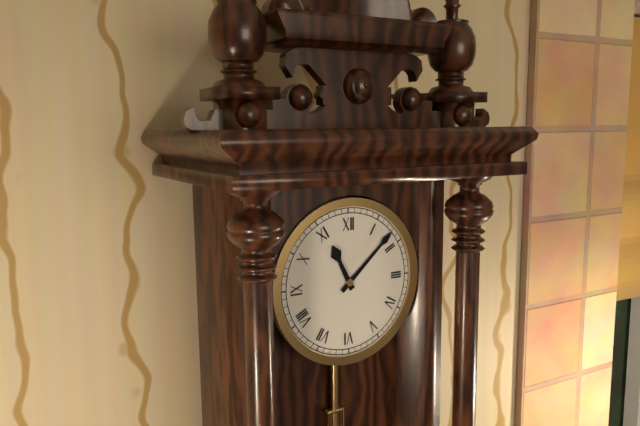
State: 11h08
